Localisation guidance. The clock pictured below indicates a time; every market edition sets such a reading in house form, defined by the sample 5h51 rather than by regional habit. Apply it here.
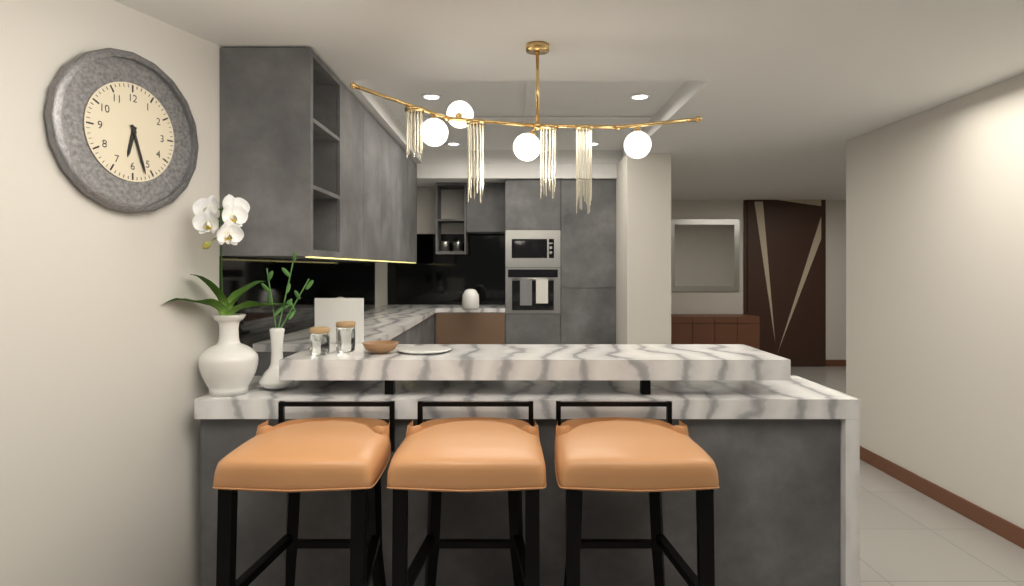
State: 6h27
